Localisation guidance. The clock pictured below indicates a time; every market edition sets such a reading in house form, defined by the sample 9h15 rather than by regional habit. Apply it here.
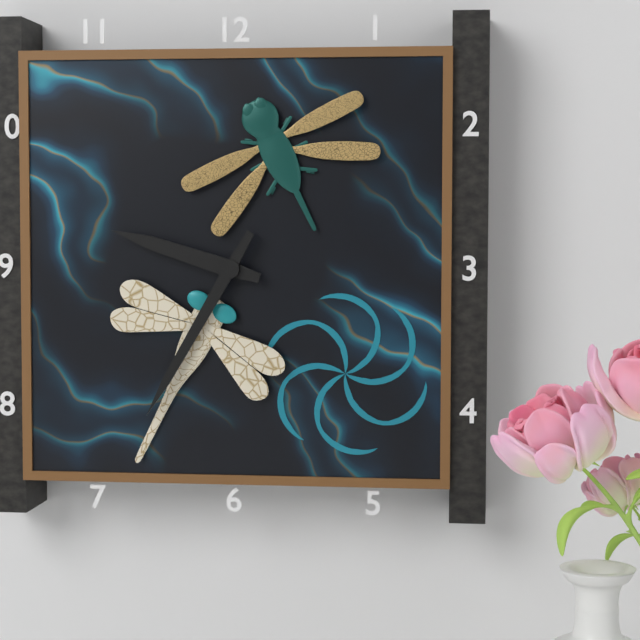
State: 9h35
